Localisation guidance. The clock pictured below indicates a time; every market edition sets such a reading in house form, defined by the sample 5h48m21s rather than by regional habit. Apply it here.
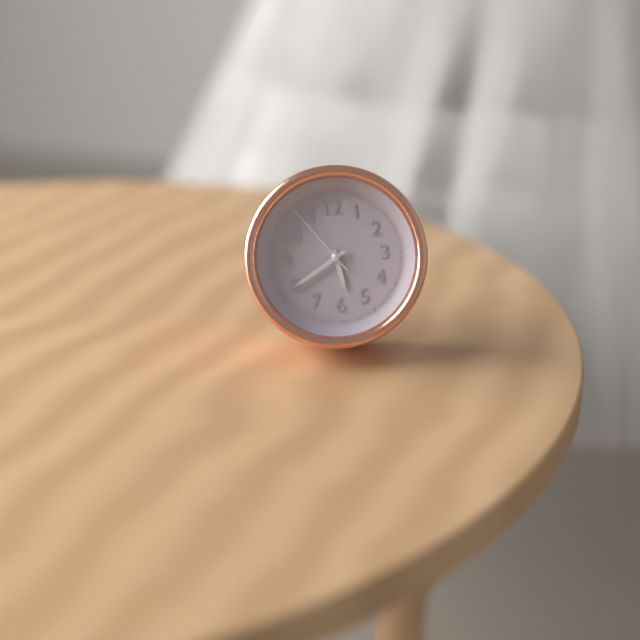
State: 5h40m54s
